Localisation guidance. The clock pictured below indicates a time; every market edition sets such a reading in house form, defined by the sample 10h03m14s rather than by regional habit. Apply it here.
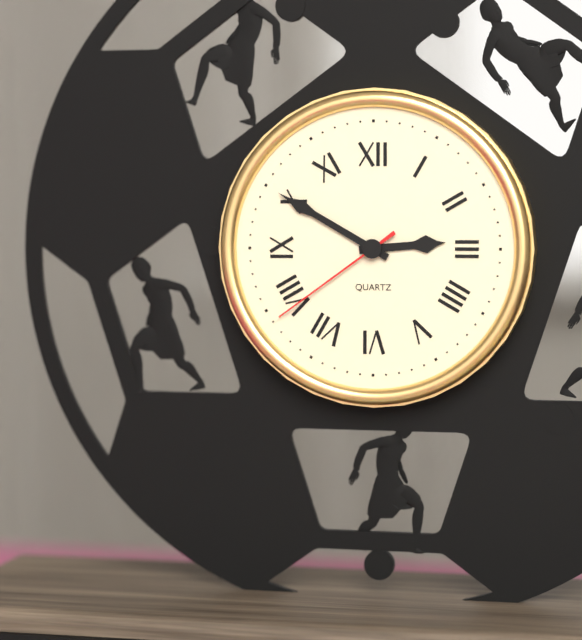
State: 2h50m39s
